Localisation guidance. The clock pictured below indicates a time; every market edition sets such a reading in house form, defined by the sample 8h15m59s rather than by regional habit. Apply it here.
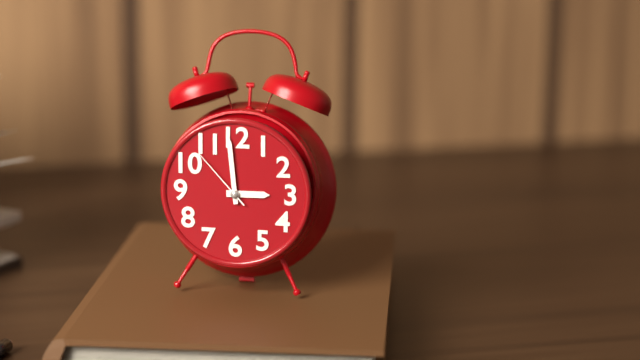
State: 2h59m53s
